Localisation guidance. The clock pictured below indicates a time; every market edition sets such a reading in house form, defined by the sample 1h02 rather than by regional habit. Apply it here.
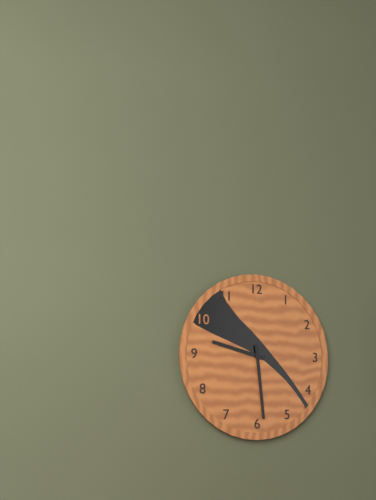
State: 9h29
